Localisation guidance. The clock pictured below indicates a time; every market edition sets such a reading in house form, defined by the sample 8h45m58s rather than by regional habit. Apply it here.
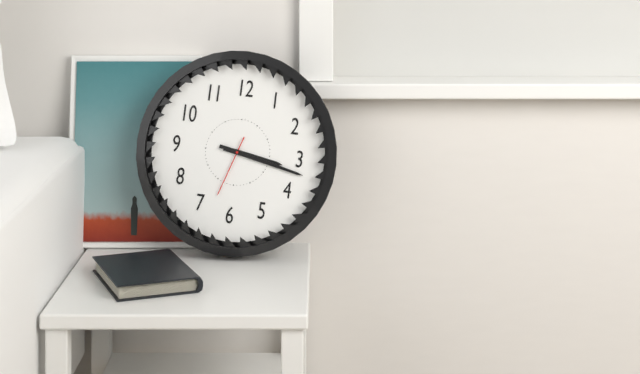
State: 3h17m33s
